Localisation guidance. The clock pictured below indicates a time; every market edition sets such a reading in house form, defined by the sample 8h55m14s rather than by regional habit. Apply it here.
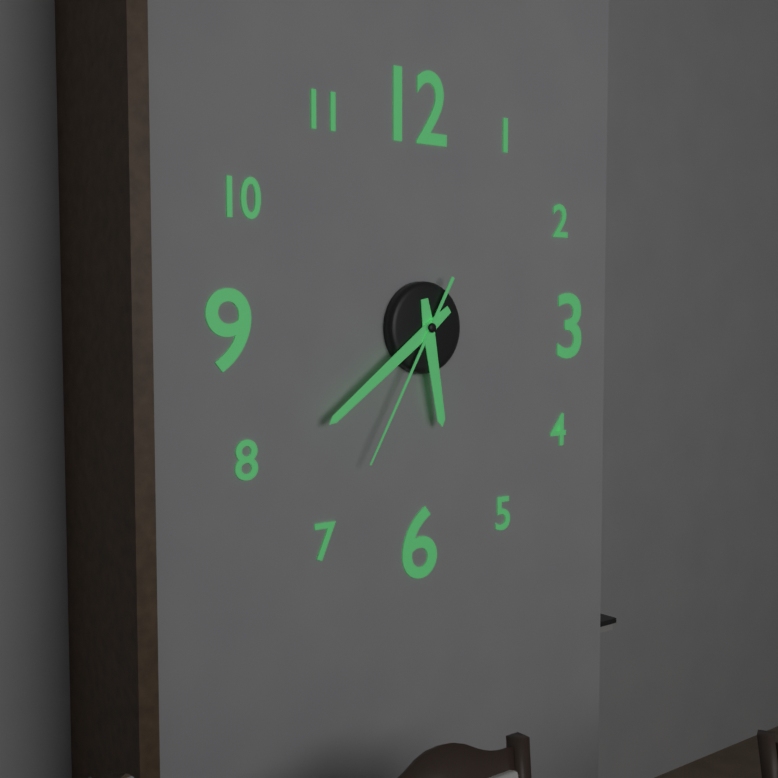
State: 5h39m35s
